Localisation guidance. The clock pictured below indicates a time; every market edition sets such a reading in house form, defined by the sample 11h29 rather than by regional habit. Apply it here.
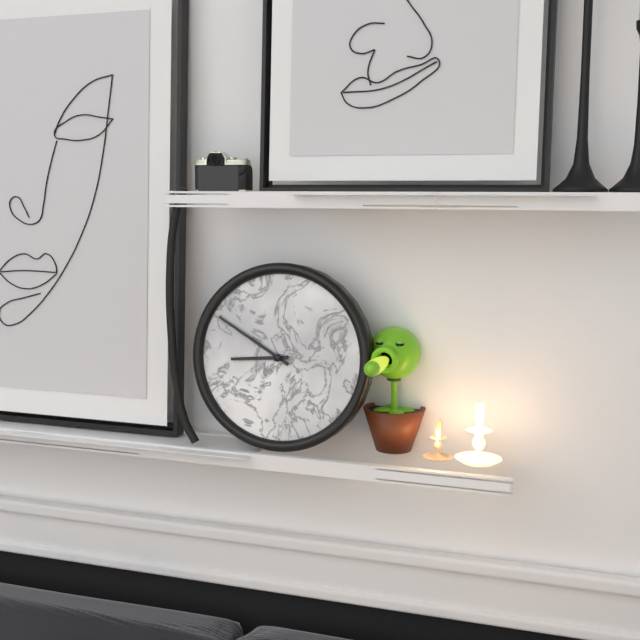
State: 8h50
